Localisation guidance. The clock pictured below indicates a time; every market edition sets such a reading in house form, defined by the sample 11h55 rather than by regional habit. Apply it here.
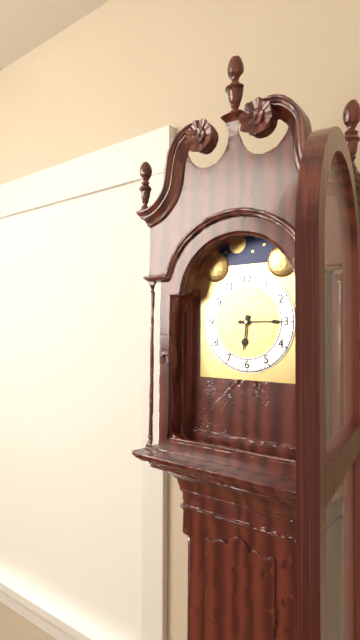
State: 6h15
